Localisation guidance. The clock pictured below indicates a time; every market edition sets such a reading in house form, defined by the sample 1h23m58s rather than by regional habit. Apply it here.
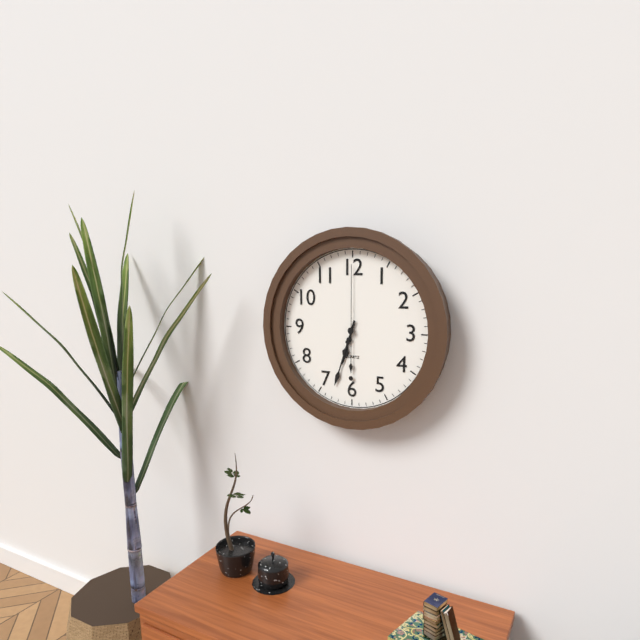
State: 6h33m00s
